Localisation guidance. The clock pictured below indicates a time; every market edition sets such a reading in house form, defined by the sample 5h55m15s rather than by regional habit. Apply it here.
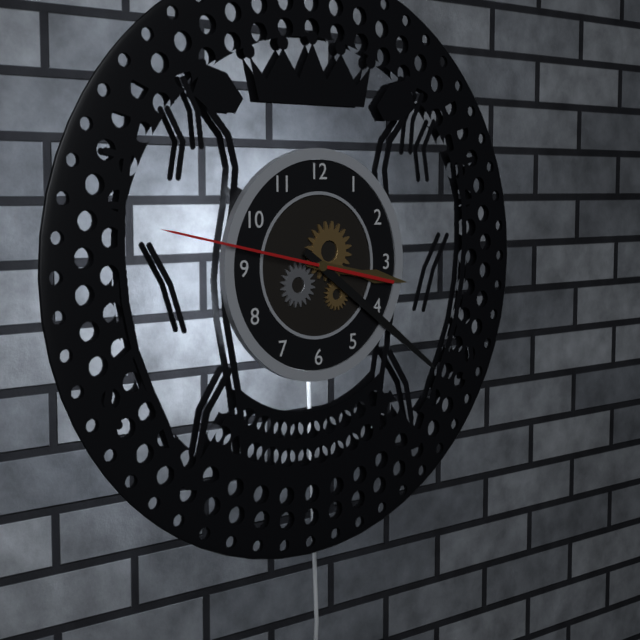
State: 3h21m47s
